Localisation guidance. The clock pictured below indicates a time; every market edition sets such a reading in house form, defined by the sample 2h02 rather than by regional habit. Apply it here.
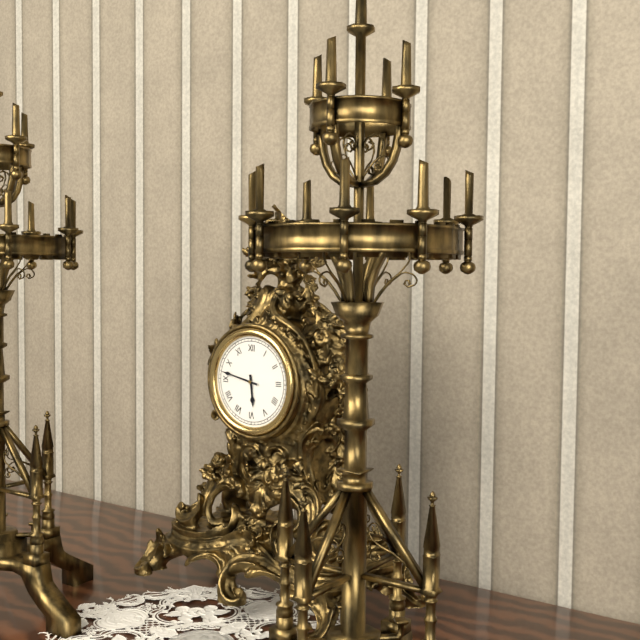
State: 5h47
